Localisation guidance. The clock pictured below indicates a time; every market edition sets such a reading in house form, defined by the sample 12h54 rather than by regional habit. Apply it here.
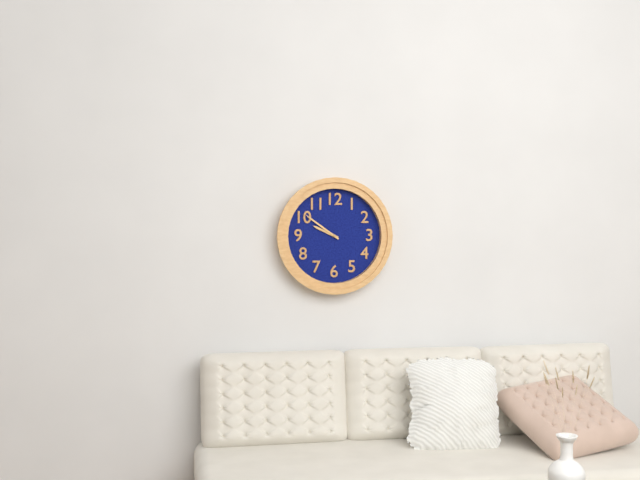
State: 9h51
